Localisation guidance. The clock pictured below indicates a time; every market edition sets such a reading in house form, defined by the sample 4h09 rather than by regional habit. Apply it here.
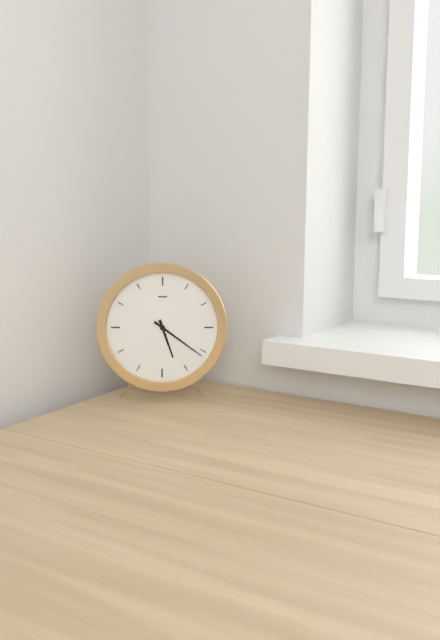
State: 5h21
